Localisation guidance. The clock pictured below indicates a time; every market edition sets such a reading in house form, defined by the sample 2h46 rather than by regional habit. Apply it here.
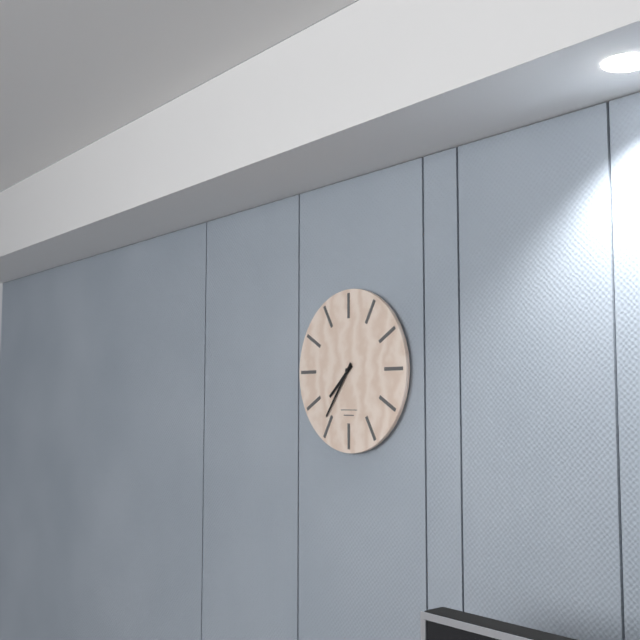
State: 7h36
